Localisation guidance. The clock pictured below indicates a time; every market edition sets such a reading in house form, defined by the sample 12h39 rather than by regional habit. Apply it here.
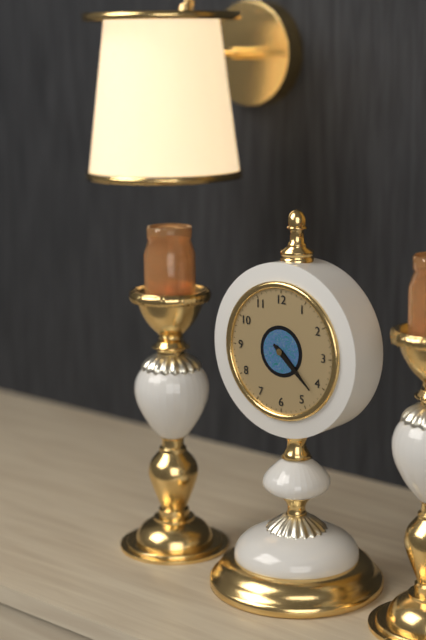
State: 4h22
